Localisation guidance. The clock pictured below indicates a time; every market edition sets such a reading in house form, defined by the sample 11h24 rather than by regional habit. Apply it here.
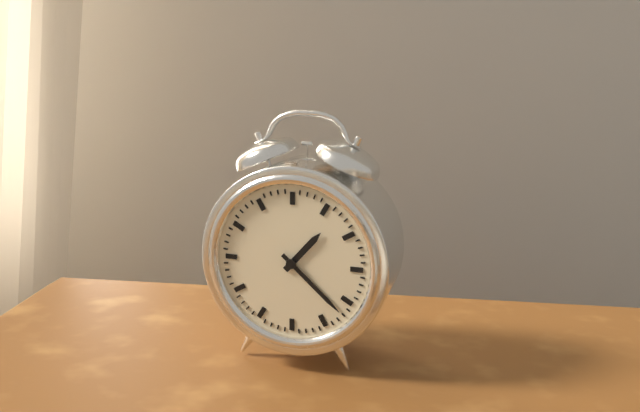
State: 1h22
